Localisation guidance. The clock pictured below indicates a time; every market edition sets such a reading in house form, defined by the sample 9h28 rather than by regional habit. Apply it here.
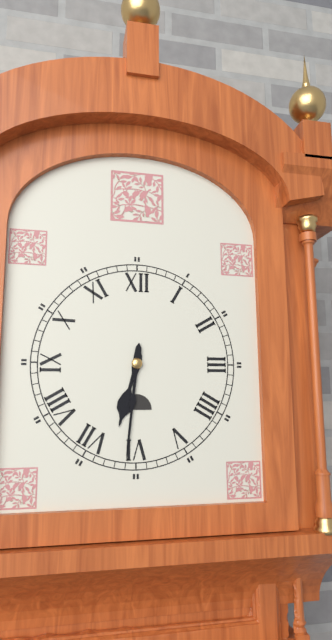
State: 6h31
